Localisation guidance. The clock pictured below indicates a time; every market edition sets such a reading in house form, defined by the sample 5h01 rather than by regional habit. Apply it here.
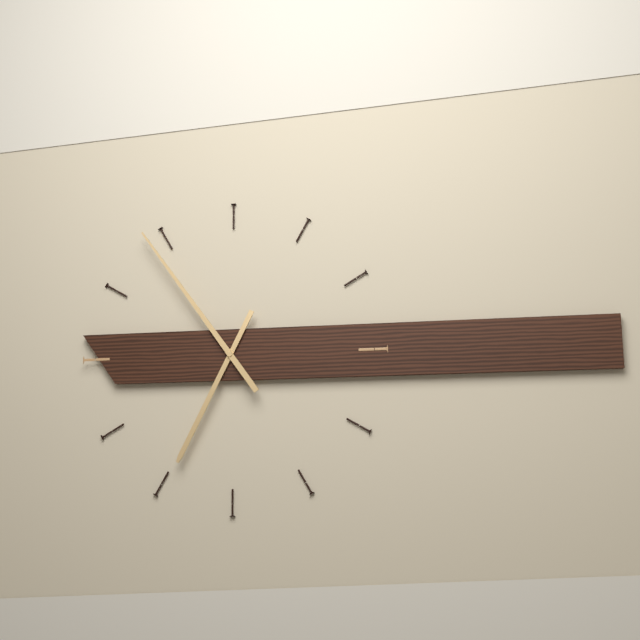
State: 6h54
